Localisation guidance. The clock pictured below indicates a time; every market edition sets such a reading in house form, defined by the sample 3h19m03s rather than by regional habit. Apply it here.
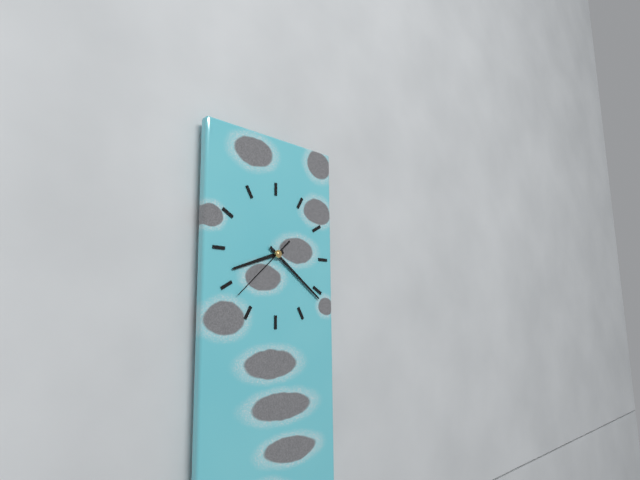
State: 8h21m38s
